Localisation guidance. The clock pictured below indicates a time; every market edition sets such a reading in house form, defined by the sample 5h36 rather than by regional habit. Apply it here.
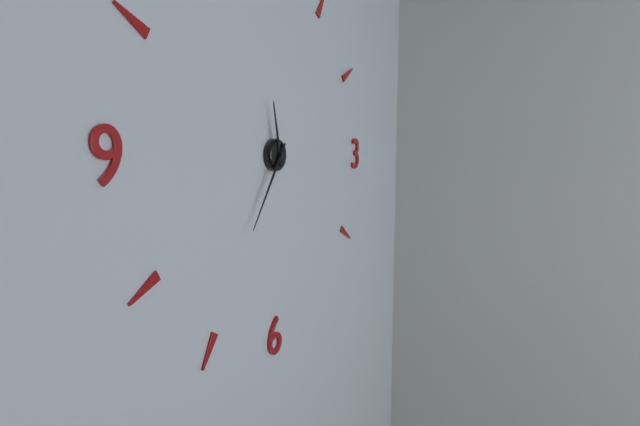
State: 11h36
